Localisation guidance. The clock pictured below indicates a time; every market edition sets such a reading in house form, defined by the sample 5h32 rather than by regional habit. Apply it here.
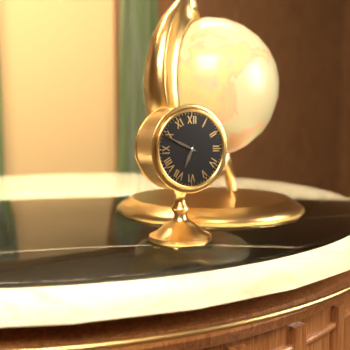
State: 6h49
